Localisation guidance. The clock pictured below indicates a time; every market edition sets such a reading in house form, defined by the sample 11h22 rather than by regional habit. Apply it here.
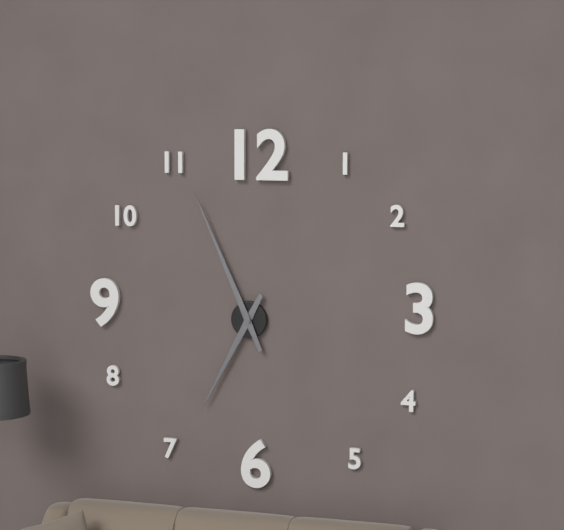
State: 6h56
